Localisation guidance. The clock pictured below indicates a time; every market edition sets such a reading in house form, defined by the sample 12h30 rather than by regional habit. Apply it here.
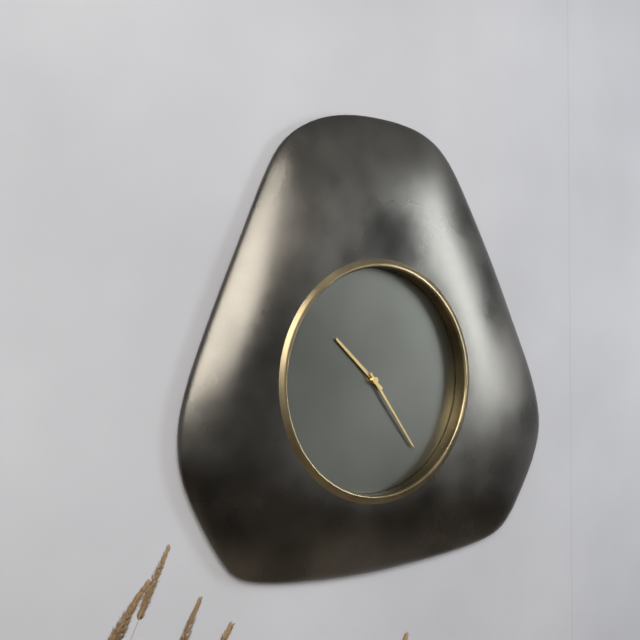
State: 10h24
